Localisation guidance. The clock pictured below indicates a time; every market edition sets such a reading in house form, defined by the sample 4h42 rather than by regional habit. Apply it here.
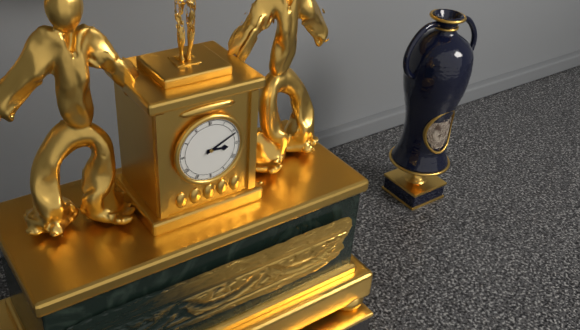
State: 3h11
